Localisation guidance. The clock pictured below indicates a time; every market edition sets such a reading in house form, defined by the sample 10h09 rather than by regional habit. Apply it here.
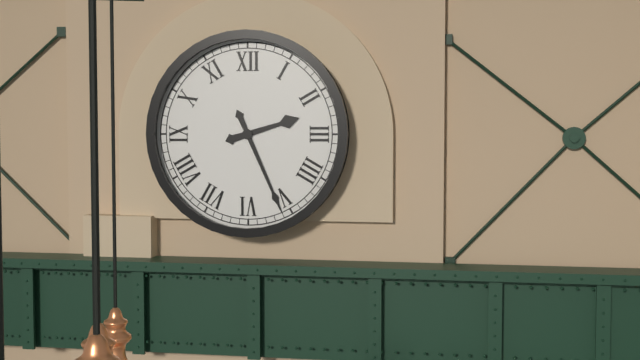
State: 2h26
